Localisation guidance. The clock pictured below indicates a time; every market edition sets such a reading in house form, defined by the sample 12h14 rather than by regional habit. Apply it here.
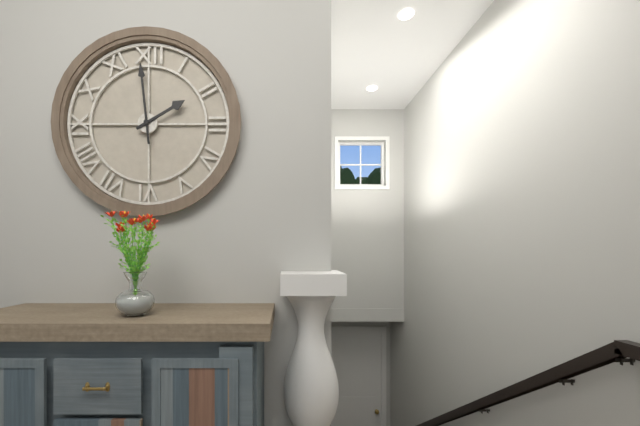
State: 1h59
